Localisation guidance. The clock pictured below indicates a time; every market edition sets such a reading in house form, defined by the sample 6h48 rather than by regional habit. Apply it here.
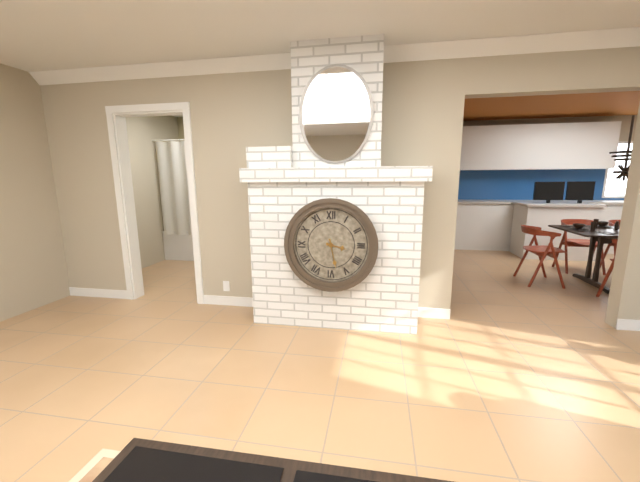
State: 3h28
